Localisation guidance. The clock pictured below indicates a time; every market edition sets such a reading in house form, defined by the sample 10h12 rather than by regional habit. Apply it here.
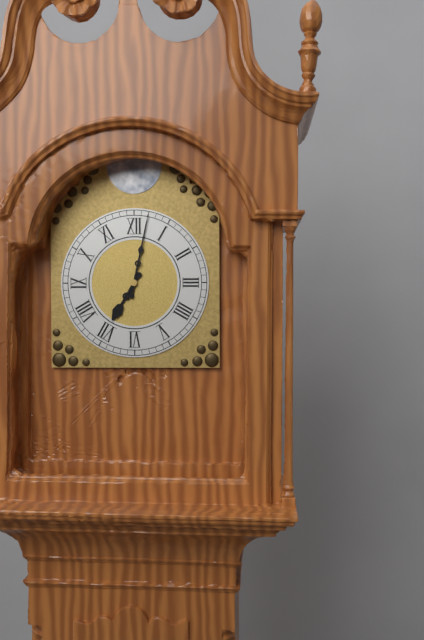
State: 7h02
